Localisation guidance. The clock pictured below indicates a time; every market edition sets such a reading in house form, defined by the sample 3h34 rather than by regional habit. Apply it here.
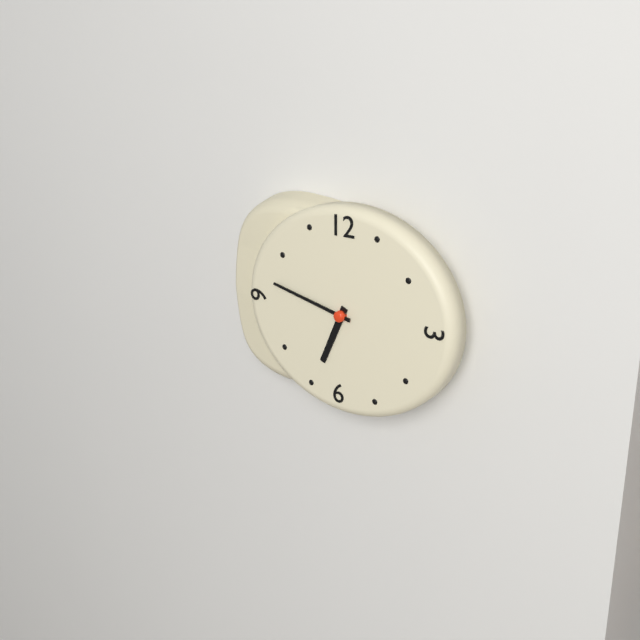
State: 6h47
